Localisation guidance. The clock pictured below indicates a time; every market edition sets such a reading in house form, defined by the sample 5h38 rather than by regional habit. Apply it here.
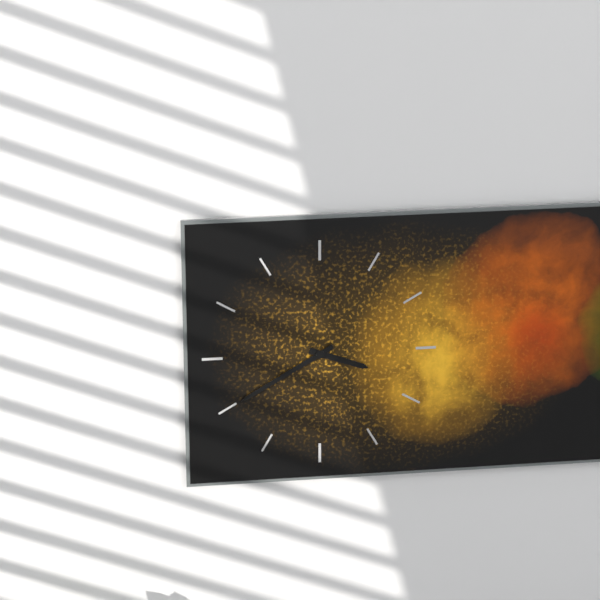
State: 3h40
